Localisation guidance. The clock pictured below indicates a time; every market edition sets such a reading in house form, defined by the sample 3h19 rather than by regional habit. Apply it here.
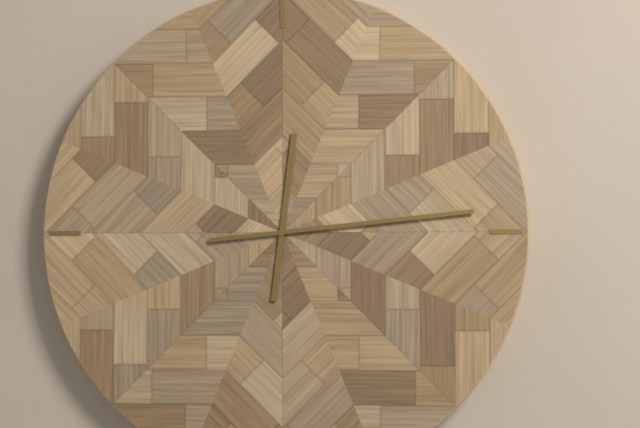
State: 12h14
